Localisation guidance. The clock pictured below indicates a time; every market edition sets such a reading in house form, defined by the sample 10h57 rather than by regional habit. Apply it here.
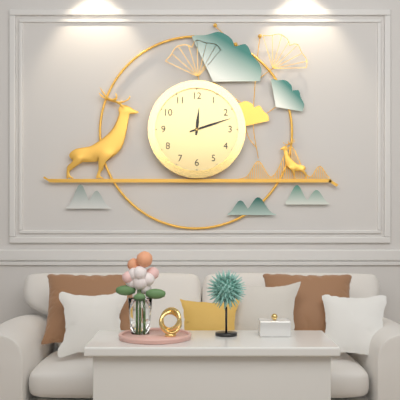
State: 12h12
